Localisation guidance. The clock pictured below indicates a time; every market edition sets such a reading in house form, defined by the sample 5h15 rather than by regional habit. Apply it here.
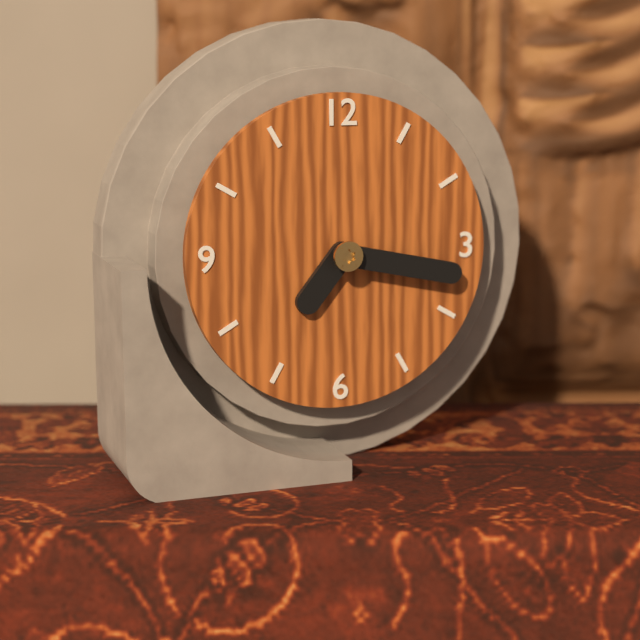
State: 7h17
